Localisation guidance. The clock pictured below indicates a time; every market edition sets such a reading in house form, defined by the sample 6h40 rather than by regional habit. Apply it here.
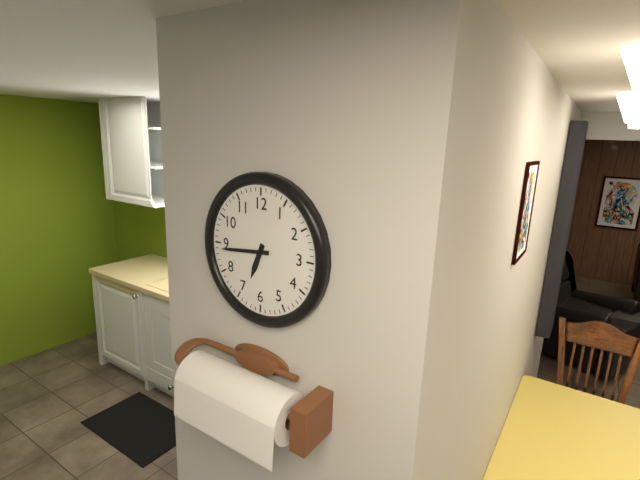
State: 6h44
